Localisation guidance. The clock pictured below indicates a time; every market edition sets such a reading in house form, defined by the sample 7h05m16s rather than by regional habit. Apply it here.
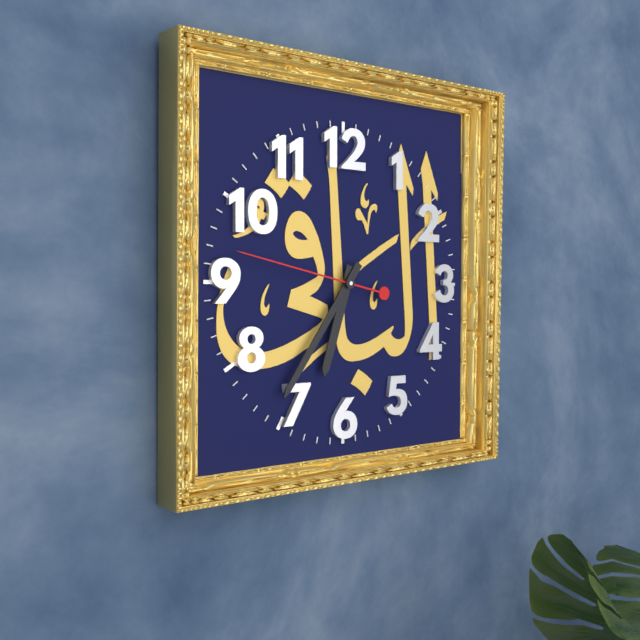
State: 6h36m47s
